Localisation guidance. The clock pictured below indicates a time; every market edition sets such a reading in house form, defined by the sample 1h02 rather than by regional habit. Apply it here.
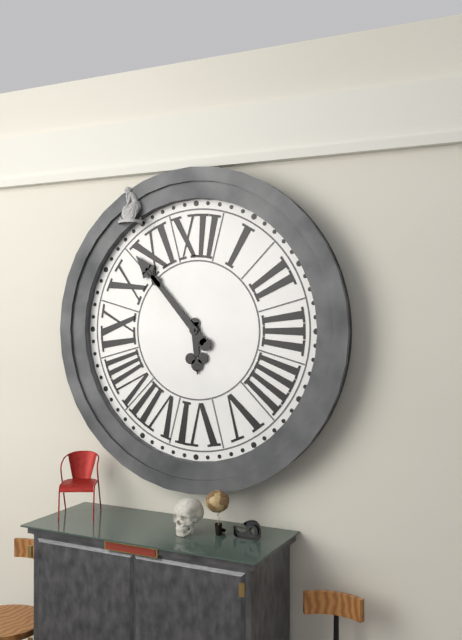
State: 5h53
